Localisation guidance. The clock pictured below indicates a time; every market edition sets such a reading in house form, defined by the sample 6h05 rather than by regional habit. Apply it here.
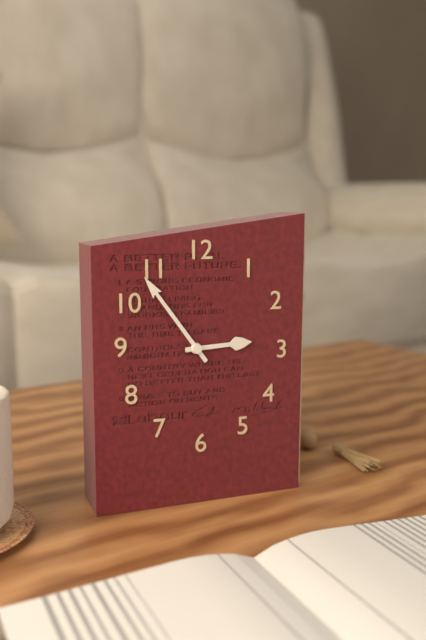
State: 2h54
